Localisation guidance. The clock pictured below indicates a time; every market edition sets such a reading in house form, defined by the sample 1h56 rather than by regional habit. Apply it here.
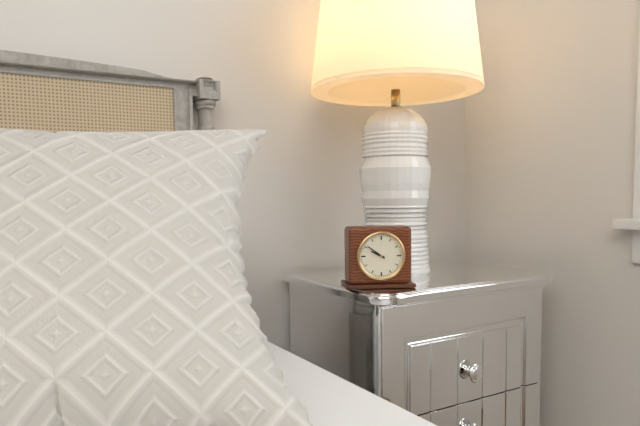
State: 9h51
